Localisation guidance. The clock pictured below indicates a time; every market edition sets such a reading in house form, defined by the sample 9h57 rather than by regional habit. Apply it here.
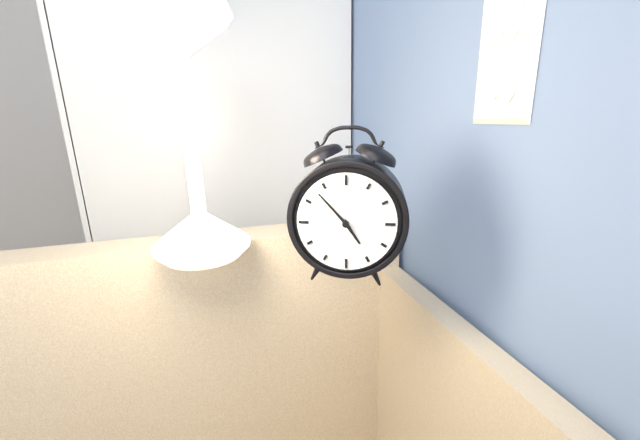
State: 4h53
